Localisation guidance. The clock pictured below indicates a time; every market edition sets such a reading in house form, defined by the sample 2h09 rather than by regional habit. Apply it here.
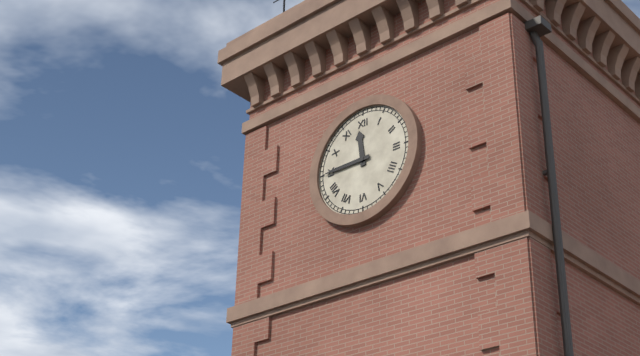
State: 11h45
